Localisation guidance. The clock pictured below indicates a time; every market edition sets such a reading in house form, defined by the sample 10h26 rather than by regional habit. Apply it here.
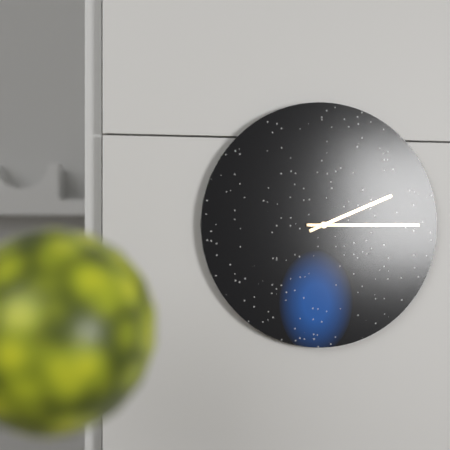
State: 2h15
